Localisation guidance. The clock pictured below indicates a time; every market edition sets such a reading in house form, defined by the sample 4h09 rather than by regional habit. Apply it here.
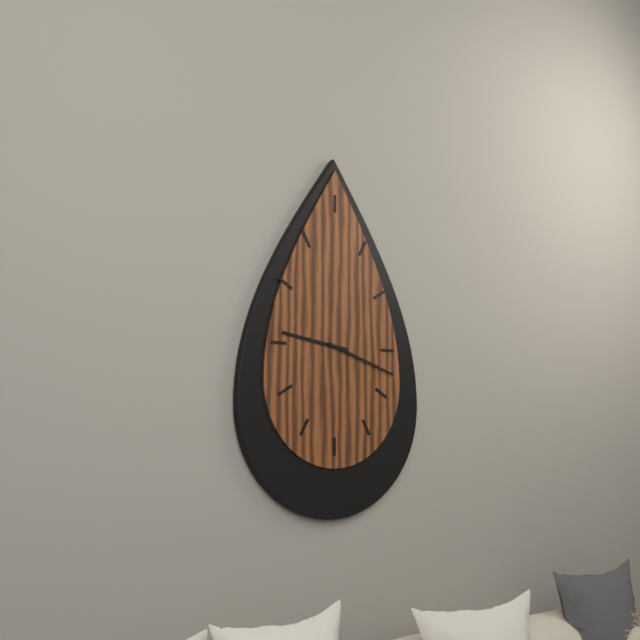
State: 9h18
